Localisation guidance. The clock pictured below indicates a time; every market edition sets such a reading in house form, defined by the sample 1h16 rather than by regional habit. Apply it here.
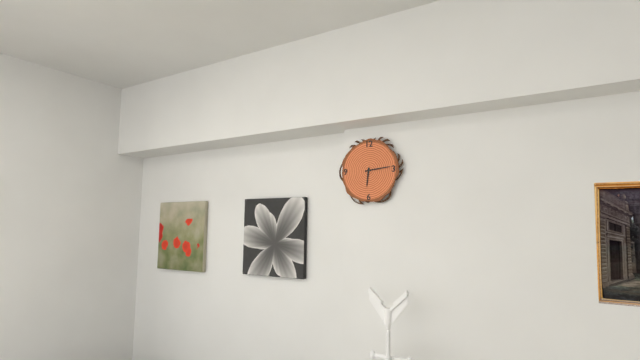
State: 6h14
